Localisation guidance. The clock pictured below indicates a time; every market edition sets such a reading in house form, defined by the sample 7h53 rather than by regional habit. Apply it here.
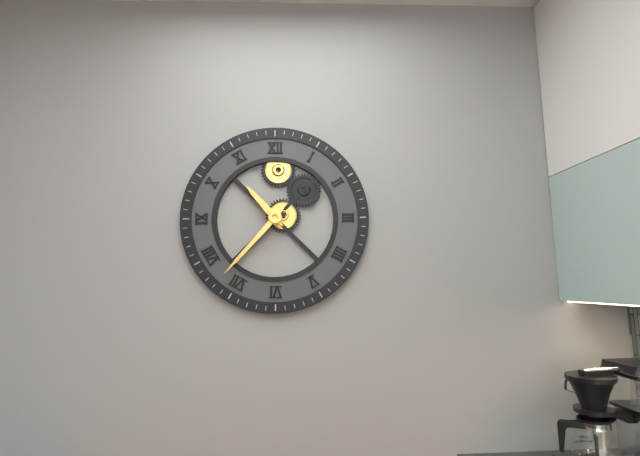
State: 10h37
